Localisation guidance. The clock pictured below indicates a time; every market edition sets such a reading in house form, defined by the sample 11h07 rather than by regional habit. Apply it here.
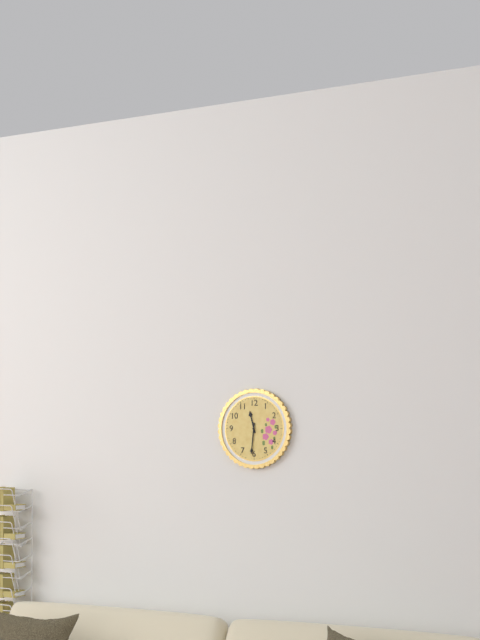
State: 11h31
